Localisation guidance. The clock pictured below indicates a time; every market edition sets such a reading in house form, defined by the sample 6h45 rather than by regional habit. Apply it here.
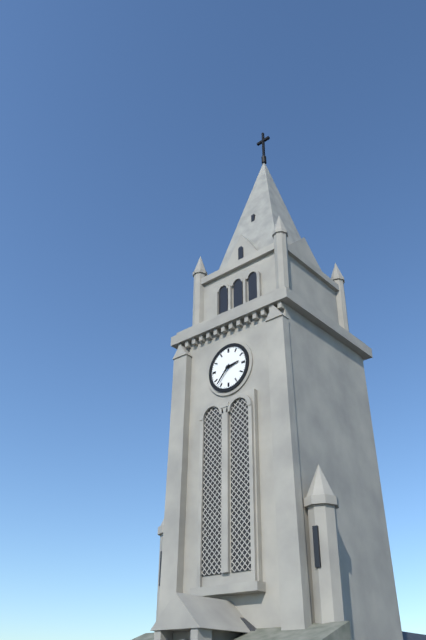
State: 2h37
